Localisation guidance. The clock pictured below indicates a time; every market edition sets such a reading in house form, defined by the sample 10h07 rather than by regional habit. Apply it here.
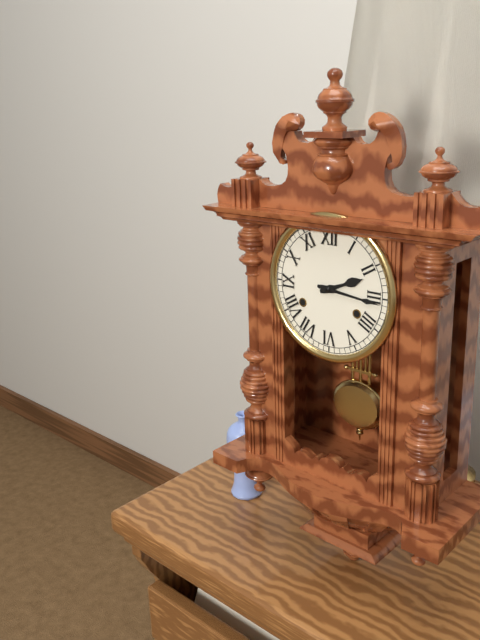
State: 2h16
